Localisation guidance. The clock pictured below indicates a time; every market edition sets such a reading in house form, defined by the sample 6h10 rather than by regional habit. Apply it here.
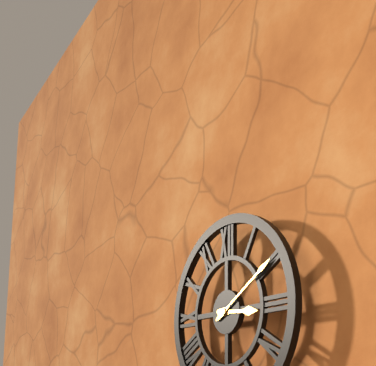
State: 3h10
